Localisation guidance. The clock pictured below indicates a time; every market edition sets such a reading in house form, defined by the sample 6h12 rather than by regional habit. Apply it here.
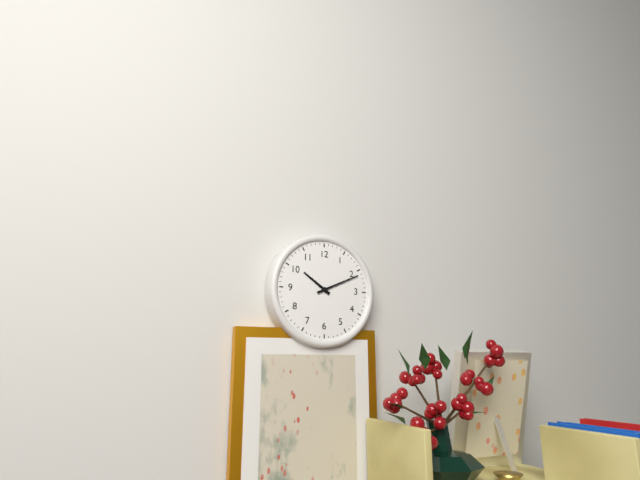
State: 10h11
